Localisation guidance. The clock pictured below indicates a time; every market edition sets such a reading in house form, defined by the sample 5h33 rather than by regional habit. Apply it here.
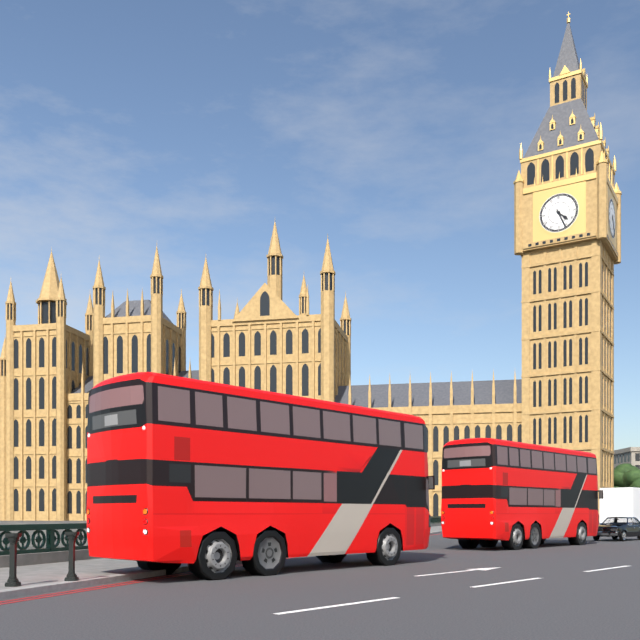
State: 4h26
